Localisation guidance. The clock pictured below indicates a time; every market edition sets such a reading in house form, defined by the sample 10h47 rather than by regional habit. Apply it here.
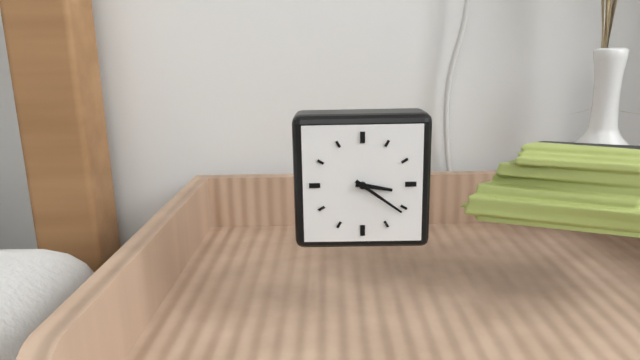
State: 3h21
